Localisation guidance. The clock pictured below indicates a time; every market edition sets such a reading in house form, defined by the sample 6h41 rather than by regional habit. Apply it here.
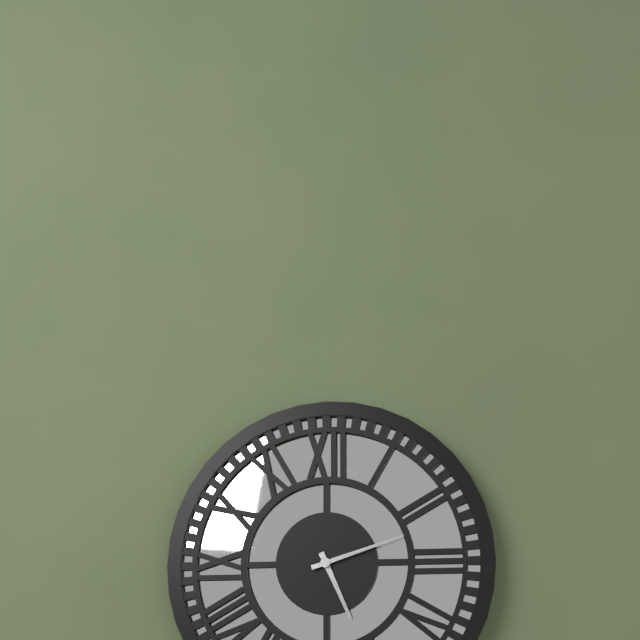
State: 5h12
